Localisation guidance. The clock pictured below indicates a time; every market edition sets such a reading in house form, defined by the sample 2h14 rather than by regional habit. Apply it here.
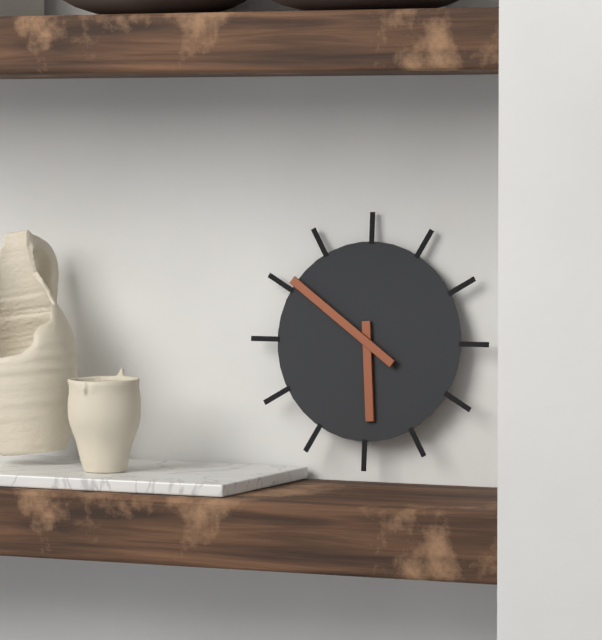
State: 5h51
